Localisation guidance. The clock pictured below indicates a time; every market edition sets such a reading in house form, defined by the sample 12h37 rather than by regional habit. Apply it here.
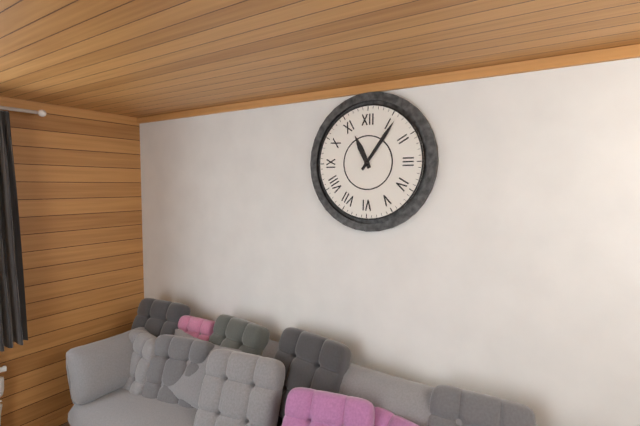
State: 11h06
